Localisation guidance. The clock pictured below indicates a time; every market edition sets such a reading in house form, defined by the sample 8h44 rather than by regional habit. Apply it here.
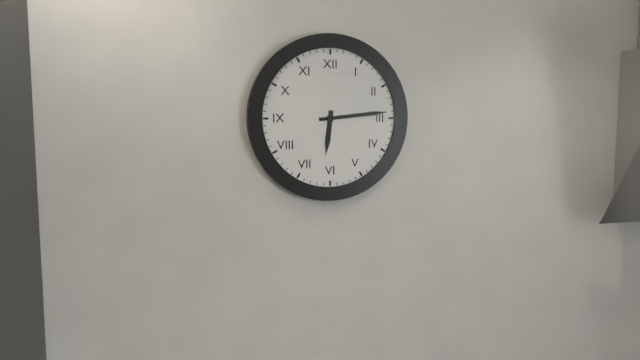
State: 6h14
